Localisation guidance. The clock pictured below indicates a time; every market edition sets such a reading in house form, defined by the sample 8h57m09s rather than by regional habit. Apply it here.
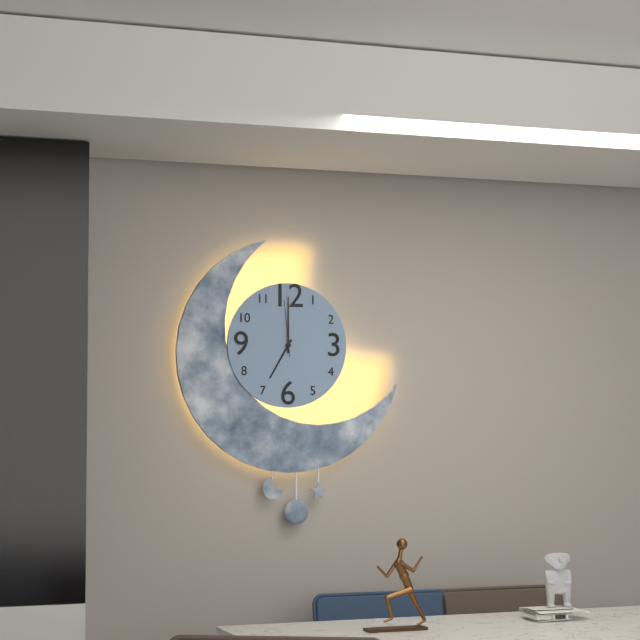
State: 7h00m59s
